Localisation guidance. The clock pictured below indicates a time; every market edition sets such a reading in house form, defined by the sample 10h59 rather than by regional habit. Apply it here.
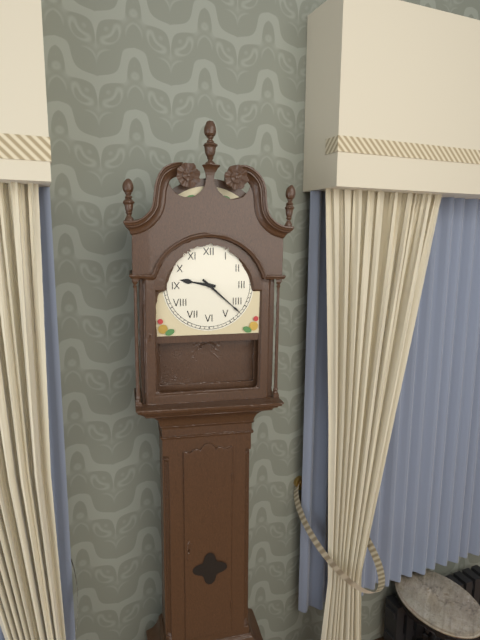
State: 9h22
